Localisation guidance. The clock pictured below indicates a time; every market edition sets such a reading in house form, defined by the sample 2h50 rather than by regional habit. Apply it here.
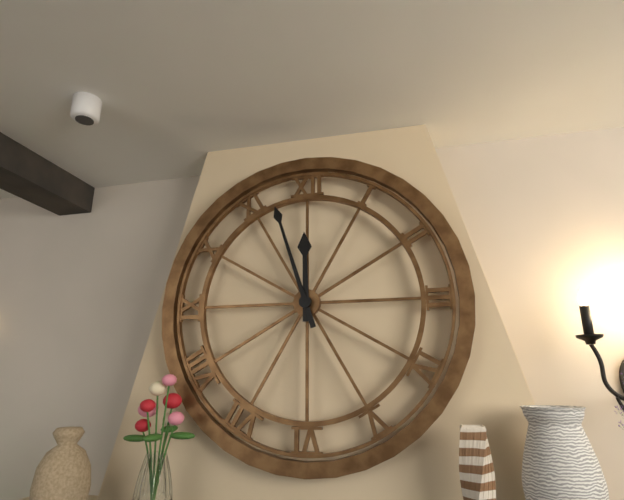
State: 11h57
